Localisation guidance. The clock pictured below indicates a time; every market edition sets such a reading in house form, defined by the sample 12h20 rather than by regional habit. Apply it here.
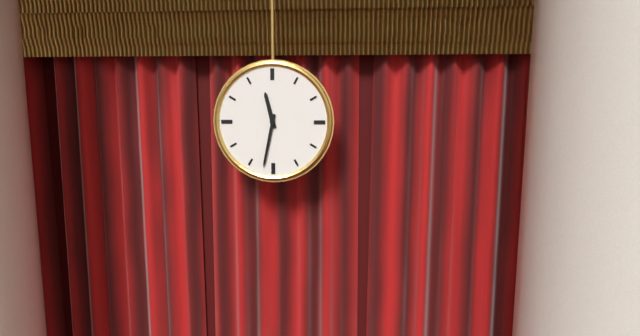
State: 11h32
